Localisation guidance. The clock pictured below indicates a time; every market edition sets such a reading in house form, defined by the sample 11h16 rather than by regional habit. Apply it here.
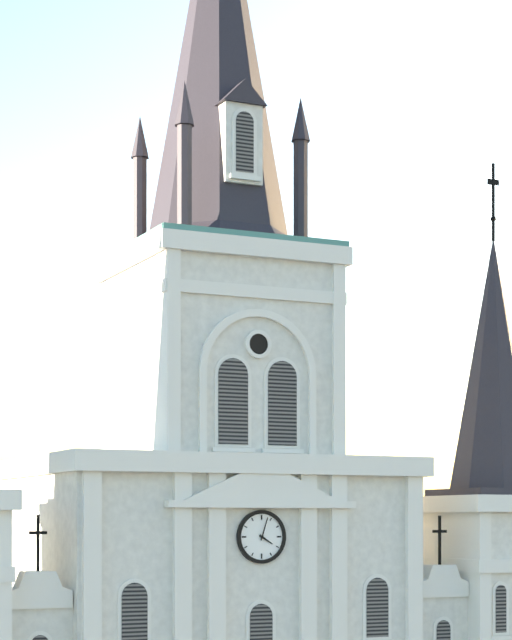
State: 4h03
